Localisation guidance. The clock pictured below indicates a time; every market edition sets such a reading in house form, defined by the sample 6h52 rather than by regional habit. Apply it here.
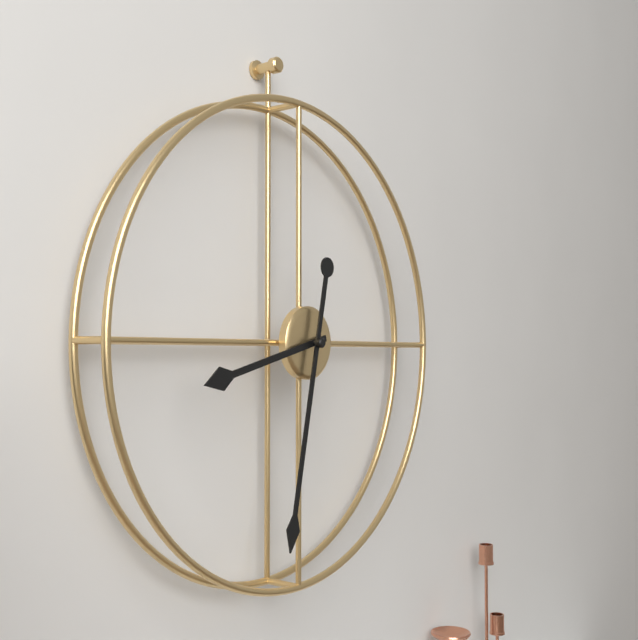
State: 8h32
